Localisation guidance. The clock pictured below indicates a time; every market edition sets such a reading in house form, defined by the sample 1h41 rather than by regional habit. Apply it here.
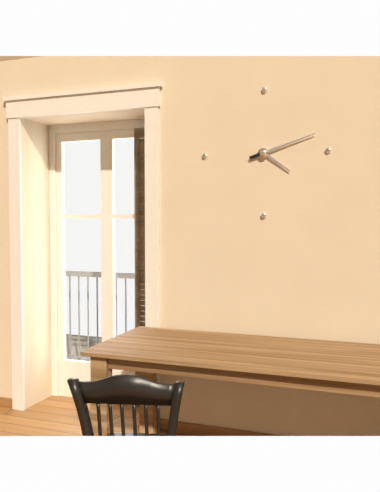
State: 4h12
